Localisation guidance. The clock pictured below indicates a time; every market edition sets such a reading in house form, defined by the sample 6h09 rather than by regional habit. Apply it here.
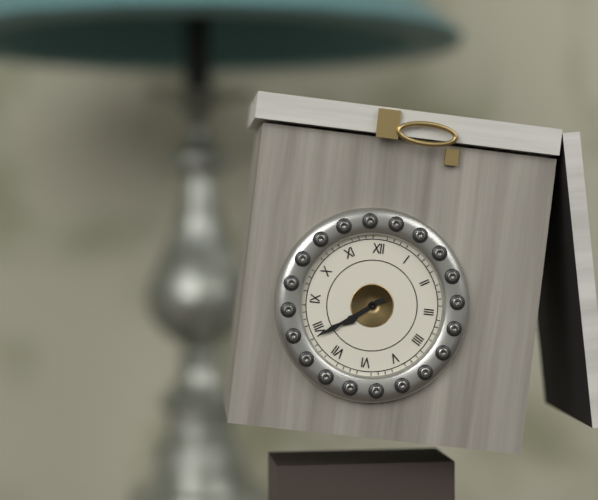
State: 7h39
